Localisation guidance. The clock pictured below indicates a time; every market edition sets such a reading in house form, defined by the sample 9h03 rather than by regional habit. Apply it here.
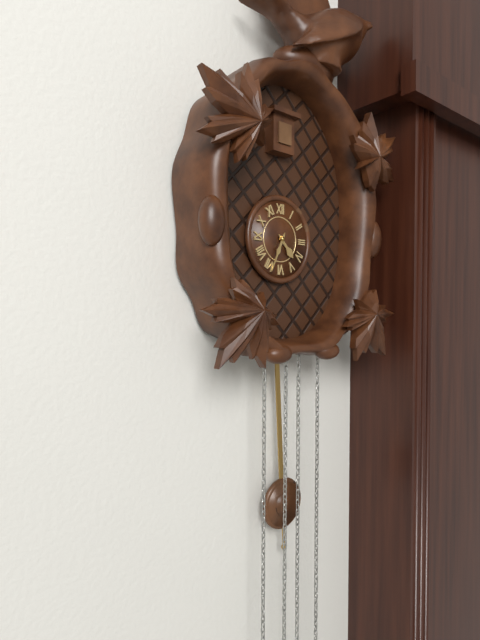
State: 4h34
